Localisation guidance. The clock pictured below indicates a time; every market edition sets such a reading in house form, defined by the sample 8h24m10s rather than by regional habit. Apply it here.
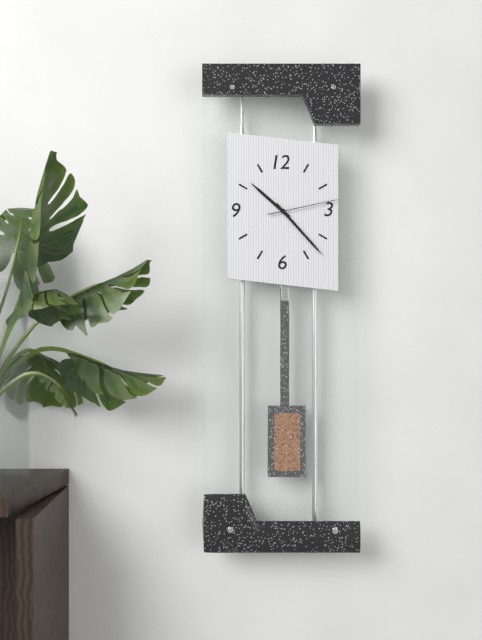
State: 10h23m13s
